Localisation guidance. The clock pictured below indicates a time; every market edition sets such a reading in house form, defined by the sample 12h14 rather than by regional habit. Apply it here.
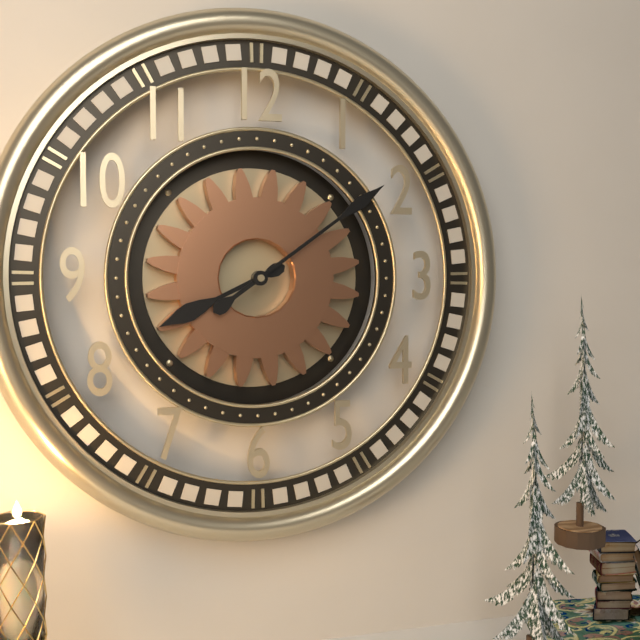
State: 8h09
